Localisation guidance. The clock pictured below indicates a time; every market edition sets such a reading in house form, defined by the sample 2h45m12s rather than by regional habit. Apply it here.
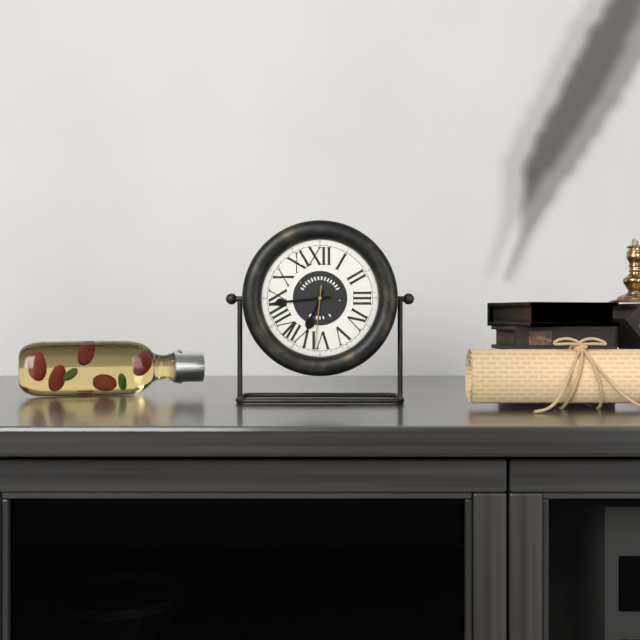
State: 6h44m31s
